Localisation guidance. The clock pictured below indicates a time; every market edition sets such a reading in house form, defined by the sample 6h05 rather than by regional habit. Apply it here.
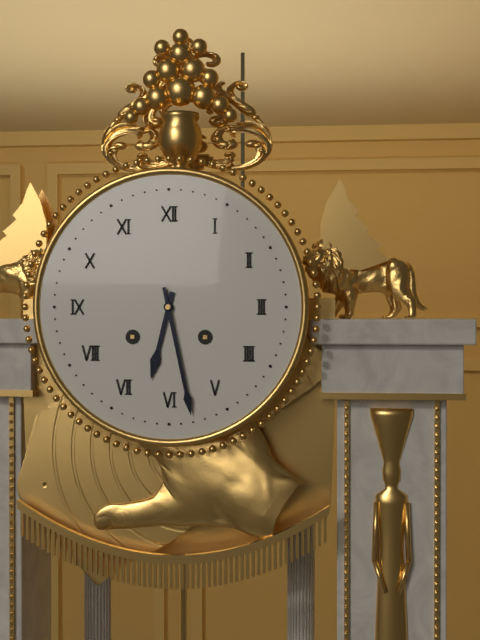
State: 6h28
